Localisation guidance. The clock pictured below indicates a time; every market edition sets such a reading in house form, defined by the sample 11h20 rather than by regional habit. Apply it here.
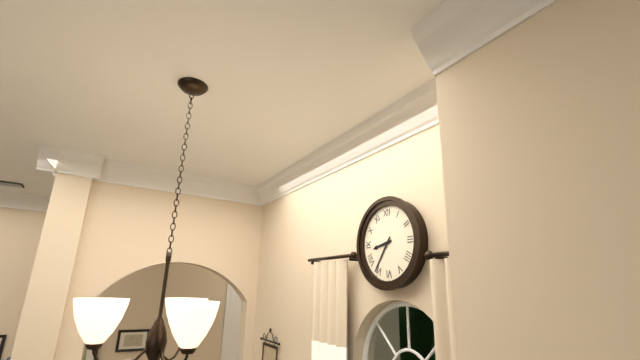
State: 8h36
